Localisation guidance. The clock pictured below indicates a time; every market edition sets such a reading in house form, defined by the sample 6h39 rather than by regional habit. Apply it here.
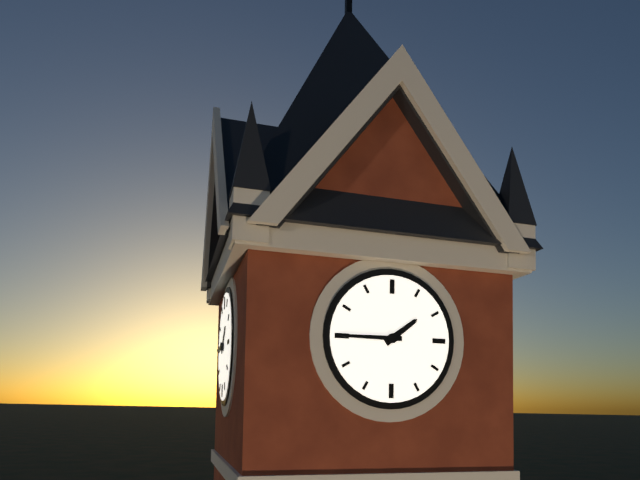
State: 1h45
